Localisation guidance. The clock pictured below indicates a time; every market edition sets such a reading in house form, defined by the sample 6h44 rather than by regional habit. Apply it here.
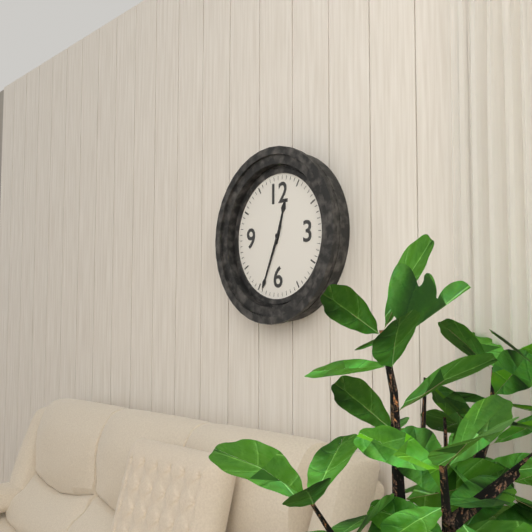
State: 12h34
